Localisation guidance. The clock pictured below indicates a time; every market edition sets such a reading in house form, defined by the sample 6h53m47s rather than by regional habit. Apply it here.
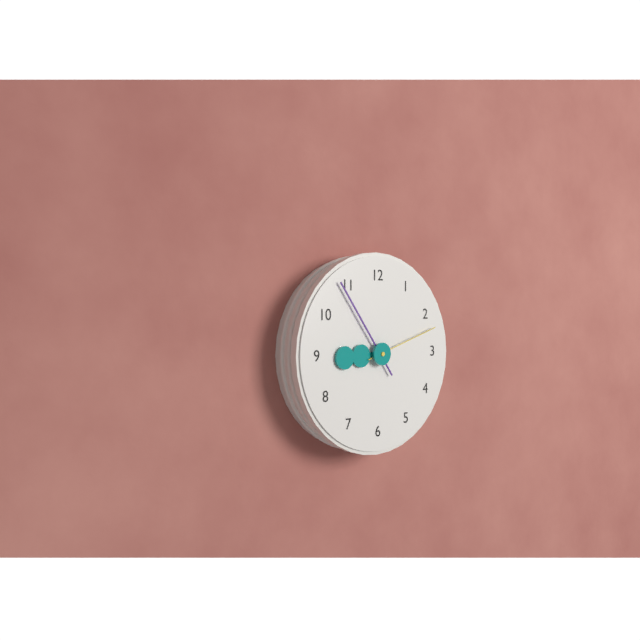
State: 8h54m12s
